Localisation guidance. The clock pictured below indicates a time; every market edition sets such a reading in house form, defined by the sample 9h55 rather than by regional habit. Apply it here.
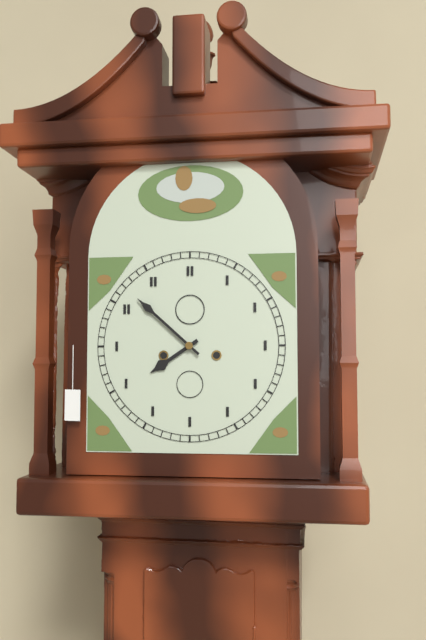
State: 7h52
